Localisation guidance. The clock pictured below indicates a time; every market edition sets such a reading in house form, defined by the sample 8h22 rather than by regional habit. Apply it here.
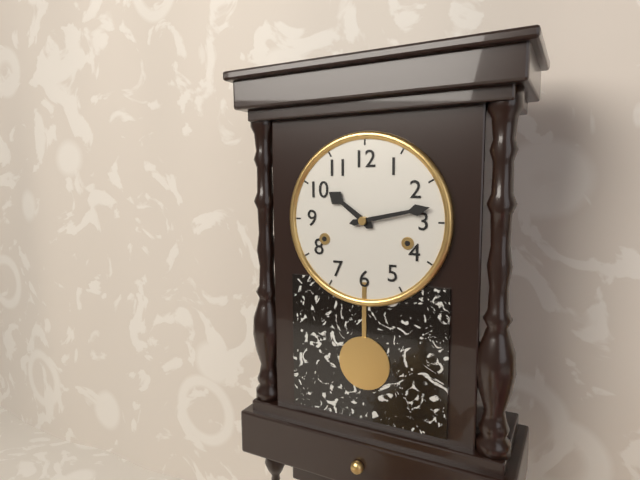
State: 10h13
